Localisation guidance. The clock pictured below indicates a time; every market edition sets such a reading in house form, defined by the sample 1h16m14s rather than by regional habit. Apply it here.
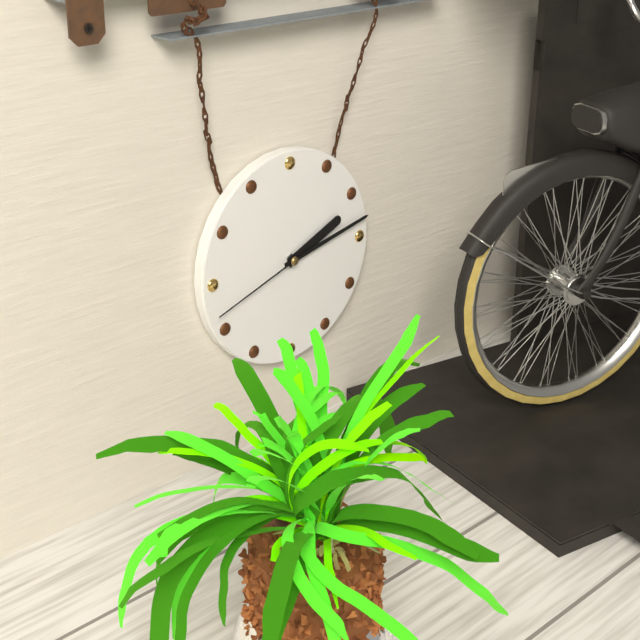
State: 2h13m42s
